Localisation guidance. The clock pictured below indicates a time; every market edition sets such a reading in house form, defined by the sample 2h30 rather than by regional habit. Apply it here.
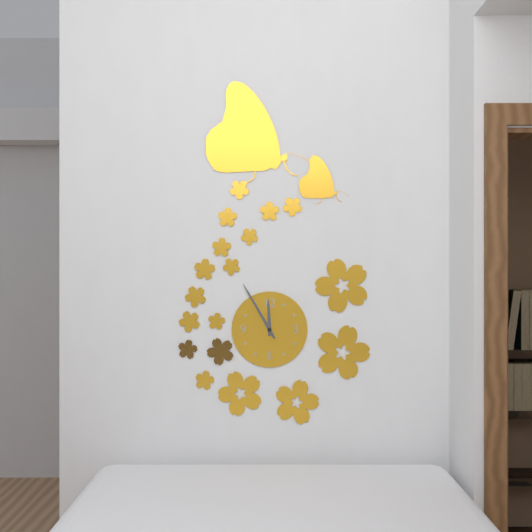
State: 11h55
